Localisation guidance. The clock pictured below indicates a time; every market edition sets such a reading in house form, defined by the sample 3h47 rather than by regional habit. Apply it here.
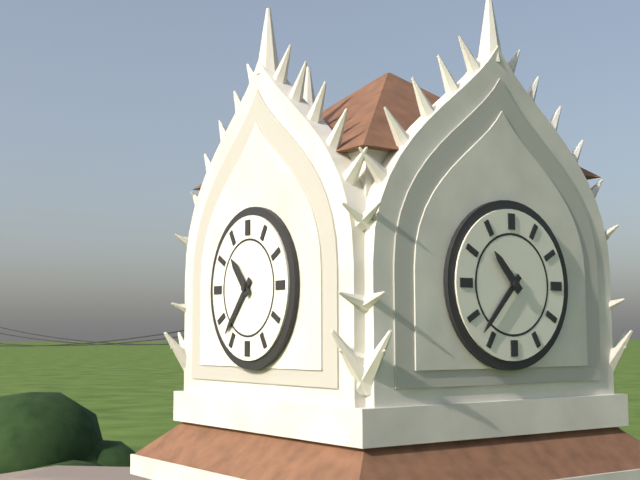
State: 10h37
